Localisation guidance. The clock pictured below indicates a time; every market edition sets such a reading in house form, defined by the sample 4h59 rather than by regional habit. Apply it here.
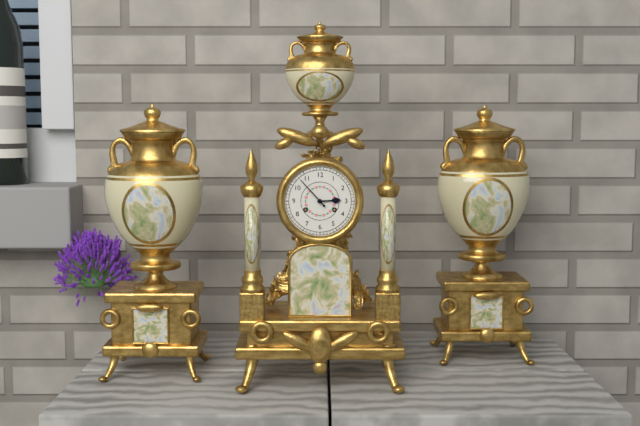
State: 2h53
